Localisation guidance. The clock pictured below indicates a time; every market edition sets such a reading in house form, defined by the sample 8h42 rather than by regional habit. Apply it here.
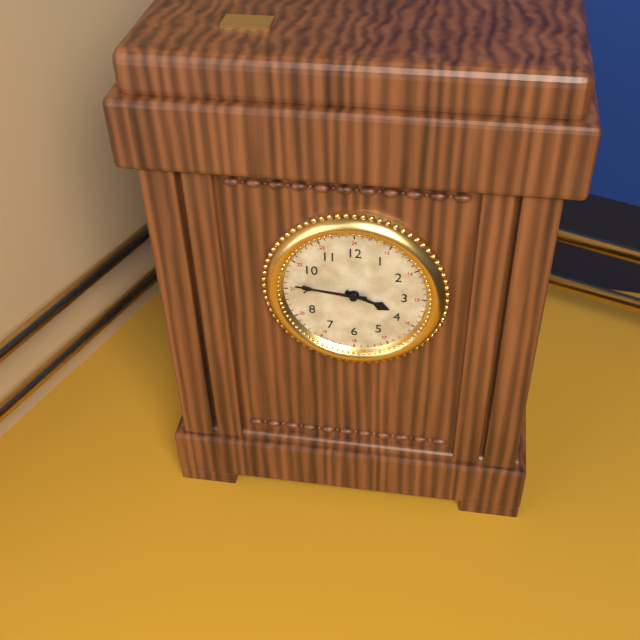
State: 3h46
